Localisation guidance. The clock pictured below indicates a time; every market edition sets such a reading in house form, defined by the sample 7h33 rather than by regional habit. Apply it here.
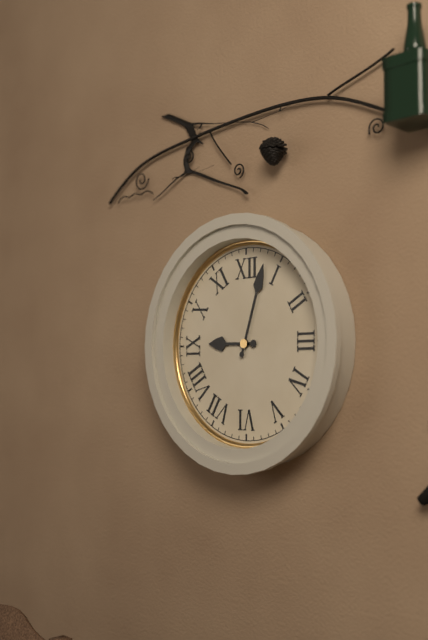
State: 9h03
